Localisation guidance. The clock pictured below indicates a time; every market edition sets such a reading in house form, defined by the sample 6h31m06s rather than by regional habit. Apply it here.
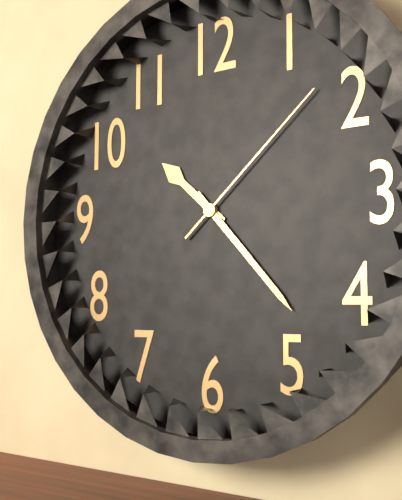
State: 10h23m08s
